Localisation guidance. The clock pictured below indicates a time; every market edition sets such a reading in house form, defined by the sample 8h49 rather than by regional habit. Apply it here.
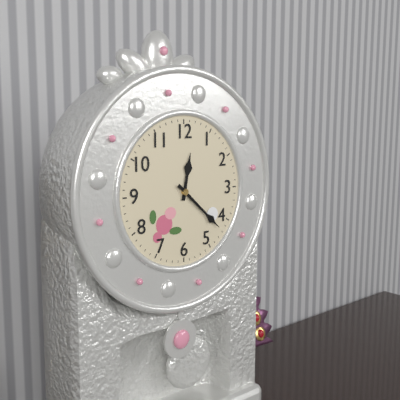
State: 12h22
